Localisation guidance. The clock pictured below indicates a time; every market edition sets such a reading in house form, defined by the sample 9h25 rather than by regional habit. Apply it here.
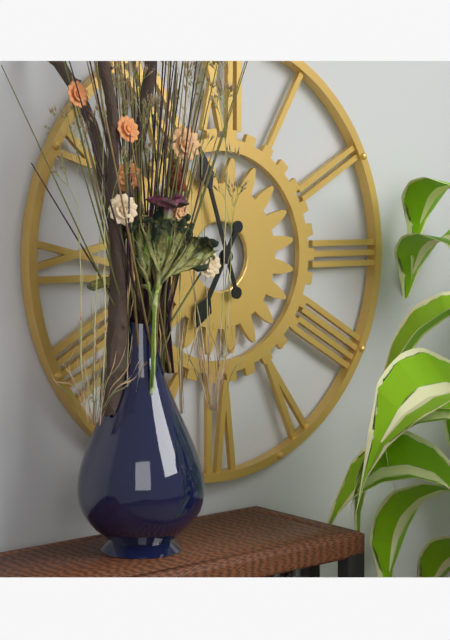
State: 6h57
